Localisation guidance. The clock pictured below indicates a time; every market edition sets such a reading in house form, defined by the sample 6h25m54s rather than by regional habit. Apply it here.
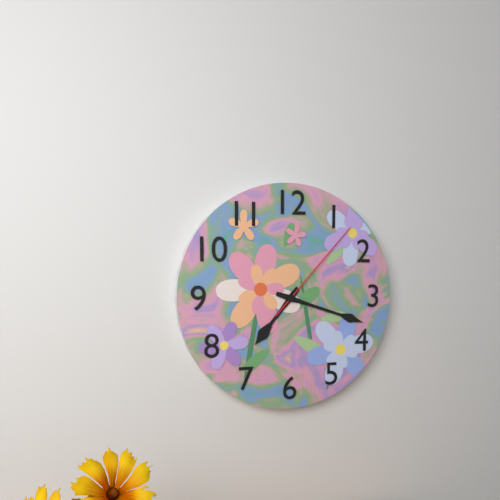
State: 7h18m07s
